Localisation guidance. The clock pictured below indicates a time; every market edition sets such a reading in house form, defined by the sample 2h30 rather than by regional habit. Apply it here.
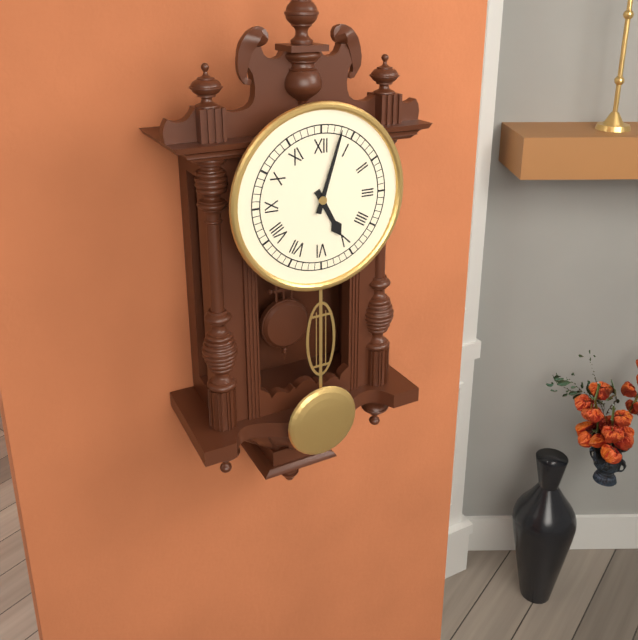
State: 5h03
